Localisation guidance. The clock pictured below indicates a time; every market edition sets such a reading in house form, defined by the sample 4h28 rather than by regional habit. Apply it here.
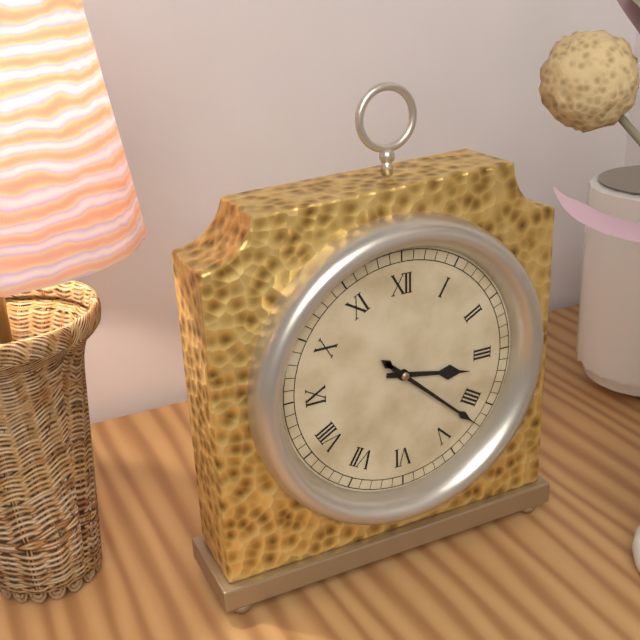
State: 3h22
